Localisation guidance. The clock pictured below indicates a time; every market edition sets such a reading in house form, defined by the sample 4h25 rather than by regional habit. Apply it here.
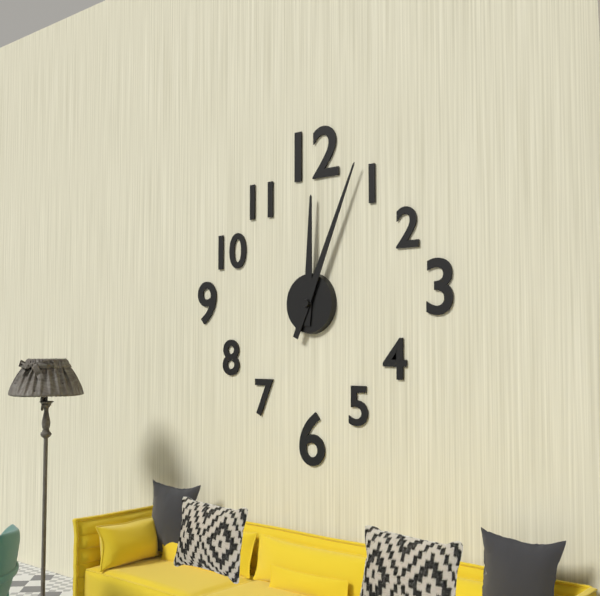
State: 12h04
